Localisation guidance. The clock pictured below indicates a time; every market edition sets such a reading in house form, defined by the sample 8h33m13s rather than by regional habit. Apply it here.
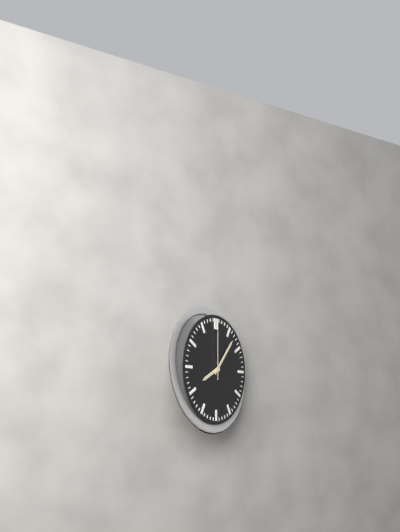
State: 8h07m00s
